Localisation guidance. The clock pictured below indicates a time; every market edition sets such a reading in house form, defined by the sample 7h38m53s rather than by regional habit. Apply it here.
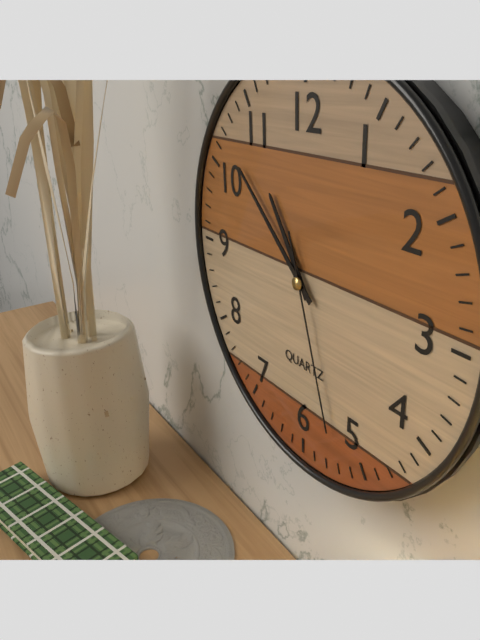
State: 10h52m27s
